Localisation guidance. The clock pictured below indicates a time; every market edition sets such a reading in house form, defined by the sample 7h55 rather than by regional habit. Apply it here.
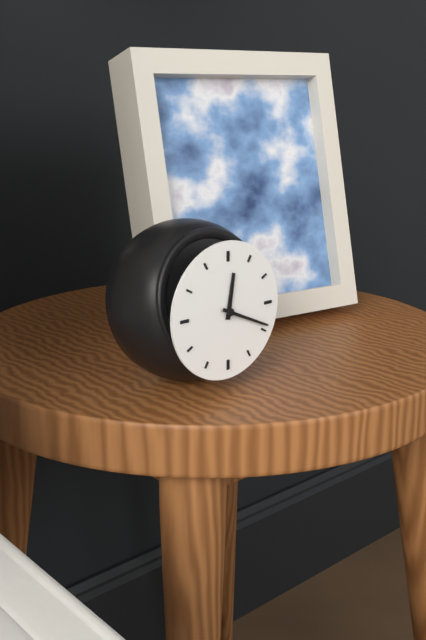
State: 12h19
